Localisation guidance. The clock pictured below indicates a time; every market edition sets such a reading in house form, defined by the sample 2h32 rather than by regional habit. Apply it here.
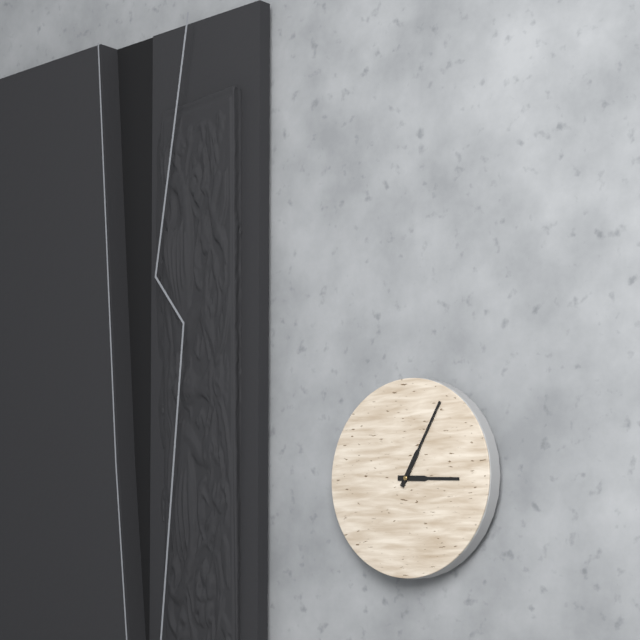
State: 3h05
